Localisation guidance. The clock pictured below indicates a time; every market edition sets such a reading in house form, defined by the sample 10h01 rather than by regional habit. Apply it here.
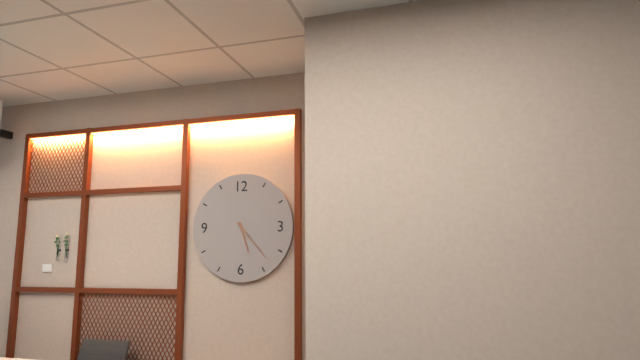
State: 5h23
